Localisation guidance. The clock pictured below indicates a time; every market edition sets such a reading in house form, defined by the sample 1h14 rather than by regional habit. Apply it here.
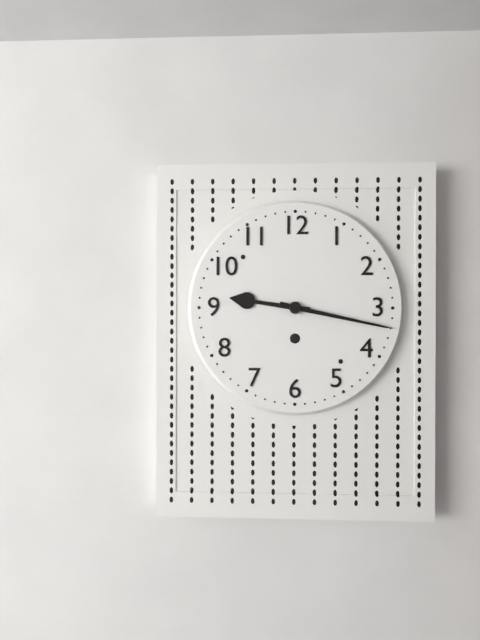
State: 9h17
